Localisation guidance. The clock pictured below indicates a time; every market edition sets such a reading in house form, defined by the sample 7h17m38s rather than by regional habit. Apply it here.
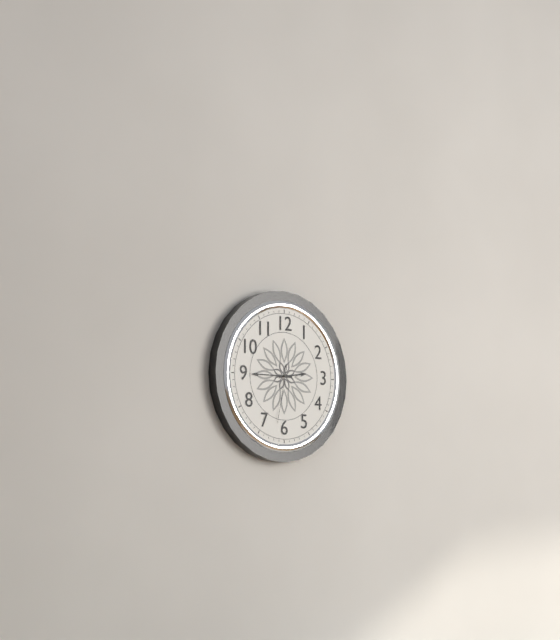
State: 2h45m32s
